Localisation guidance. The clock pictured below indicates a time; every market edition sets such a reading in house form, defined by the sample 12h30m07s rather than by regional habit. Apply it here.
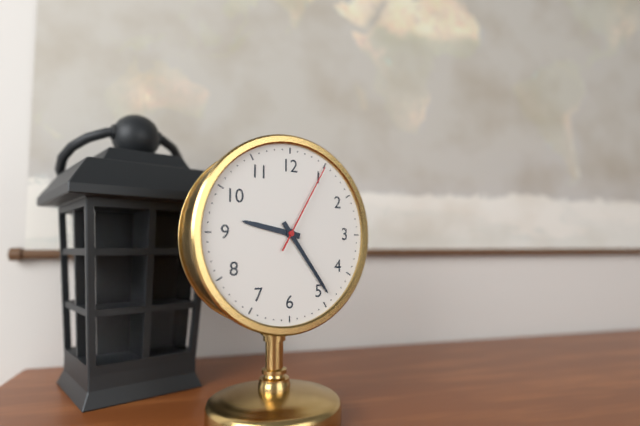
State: 9h24m05s
